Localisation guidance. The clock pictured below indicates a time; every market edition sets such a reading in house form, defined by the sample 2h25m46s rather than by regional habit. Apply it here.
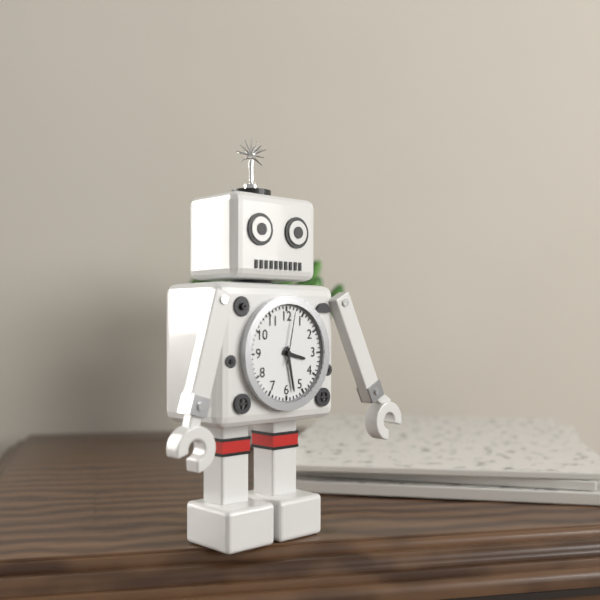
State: 3h28m02s
